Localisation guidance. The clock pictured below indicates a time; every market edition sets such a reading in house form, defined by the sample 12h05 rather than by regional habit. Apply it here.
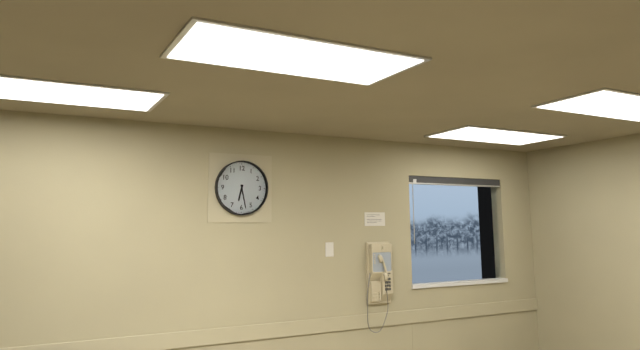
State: 6h28
